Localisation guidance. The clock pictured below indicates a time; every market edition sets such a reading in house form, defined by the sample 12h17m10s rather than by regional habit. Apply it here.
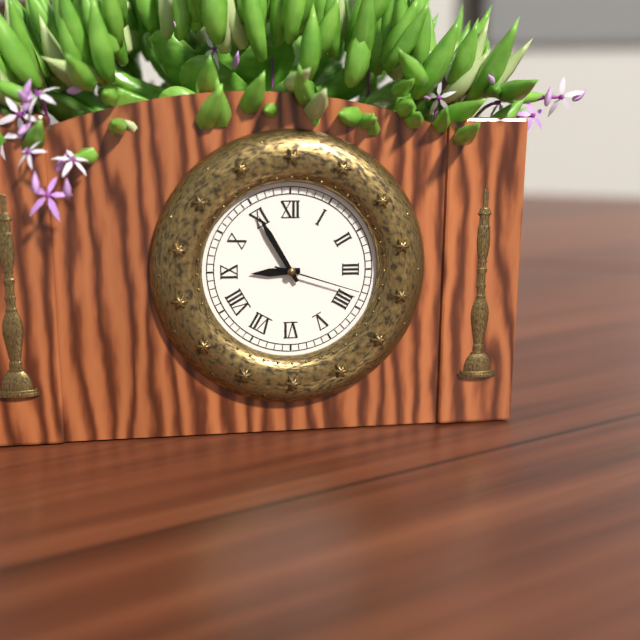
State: 8h55m18s
